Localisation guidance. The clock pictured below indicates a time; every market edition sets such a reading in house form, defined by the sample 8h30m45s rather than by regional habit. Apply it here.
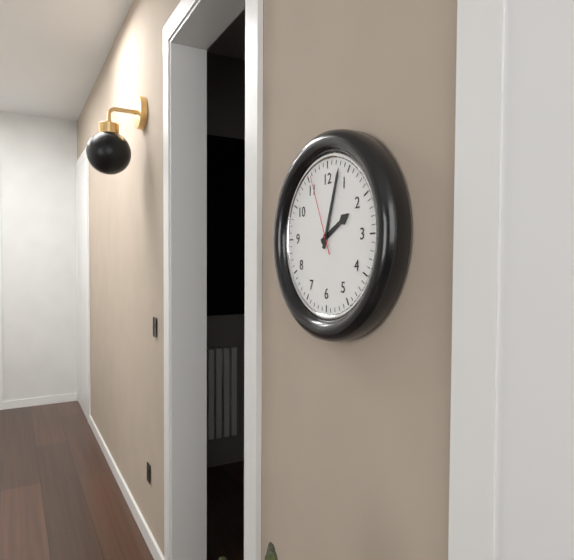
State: 2h03m56s
